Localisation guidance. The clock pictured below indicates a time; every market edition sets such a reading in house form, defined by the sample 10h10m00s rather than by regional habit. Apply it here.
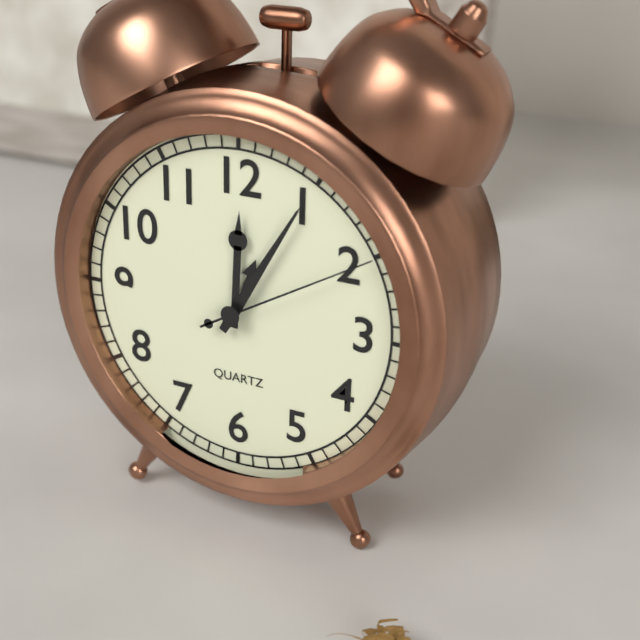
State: 12h05m10s
